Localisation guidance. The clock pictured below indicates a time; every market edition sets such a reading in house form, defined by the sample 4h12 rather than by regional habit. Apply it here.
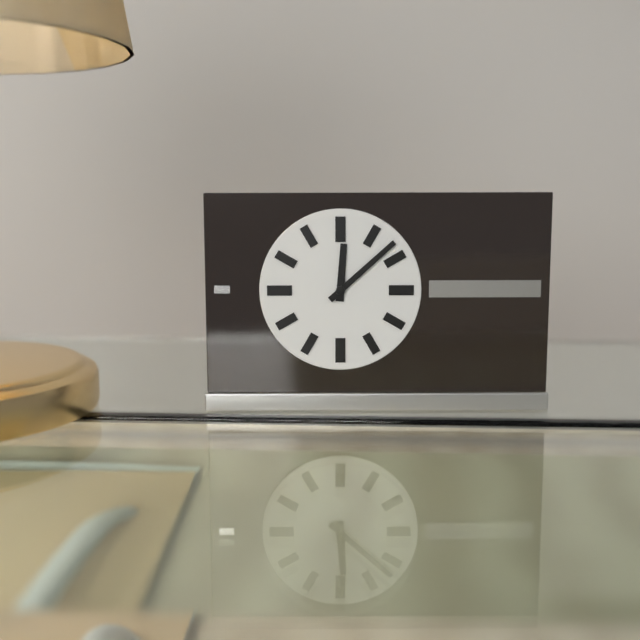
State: 12h08
